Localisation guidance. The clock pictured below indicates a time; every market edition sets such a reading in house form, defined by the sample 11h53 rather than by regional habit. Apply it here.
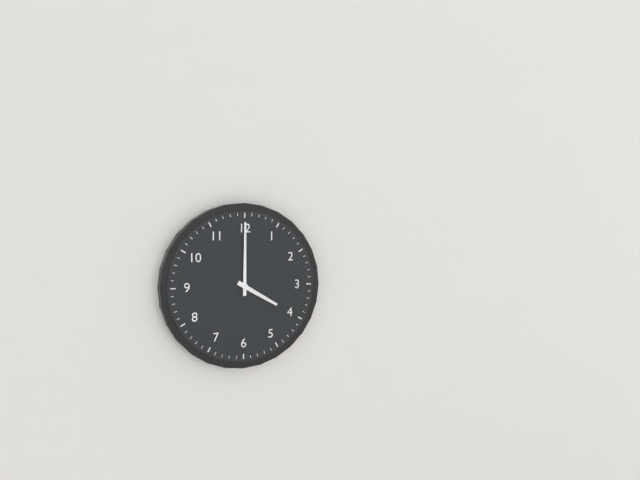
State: 4h00
